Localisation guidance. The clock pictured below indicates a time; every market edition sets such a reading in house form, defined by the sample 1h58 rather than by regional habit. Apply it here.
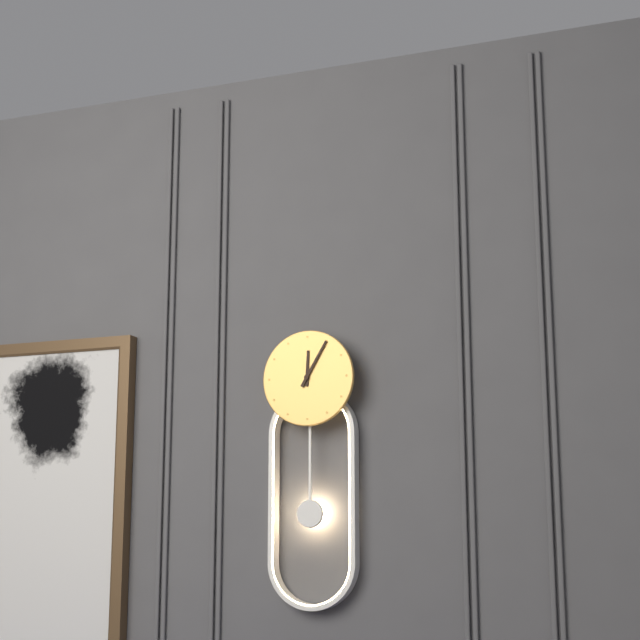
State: 12h05
